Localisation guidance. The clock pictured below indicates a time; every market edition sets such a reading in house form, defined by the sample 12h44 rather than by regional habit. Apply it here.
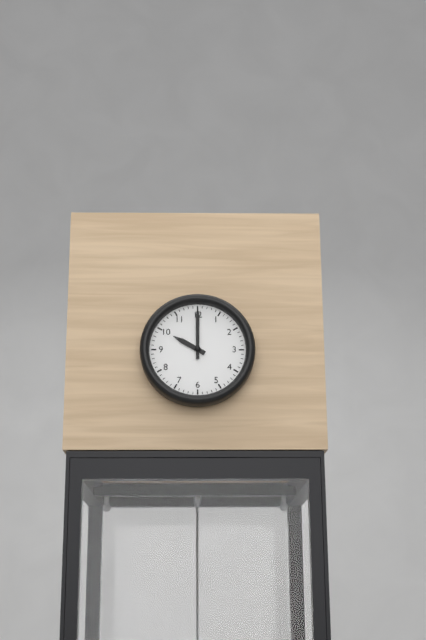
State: 10h00
